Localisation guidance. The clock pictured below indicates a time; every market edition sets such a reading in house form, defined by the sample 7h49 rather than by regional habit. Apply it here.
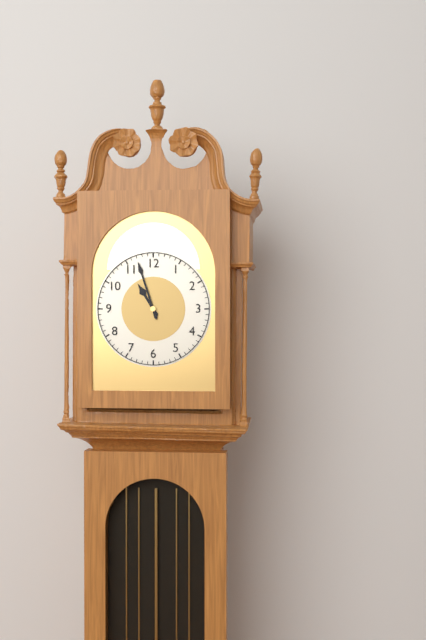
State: 10h57
